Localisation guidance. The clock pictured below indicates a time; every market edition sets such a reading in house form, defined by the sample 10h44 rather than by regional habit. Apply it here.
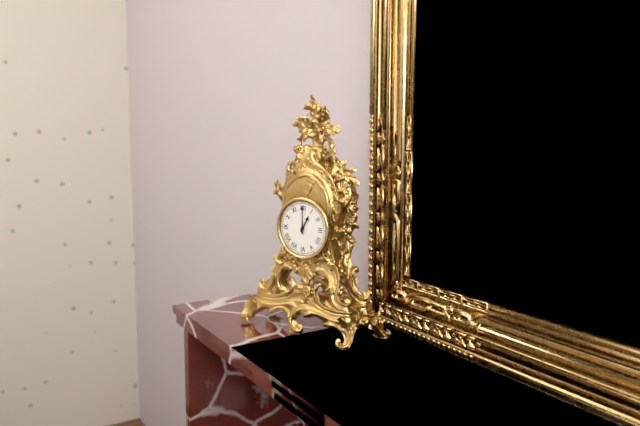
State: 1h00
